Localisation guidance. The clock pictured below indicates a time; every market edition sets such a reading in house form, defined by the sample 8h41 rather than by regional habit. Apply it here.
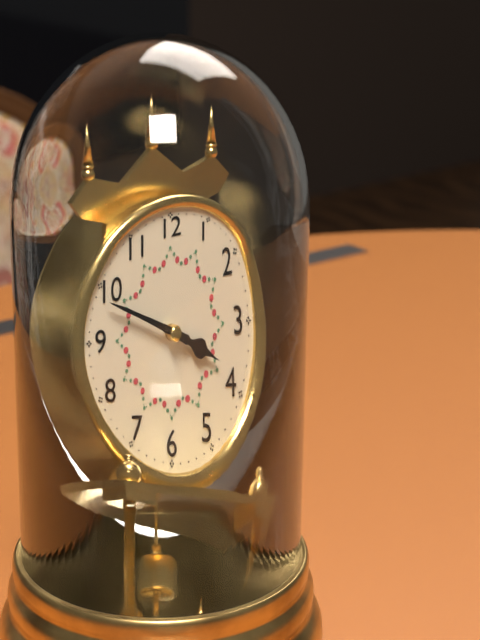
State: 3h49
